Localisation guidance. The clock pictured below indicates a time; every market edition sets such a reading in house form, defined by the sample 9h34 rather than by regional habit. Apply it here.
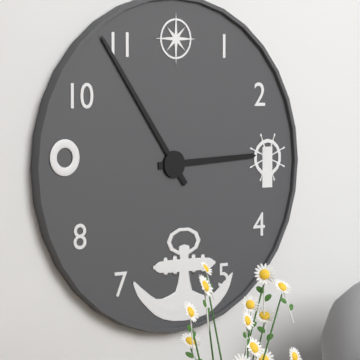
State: 2h54
